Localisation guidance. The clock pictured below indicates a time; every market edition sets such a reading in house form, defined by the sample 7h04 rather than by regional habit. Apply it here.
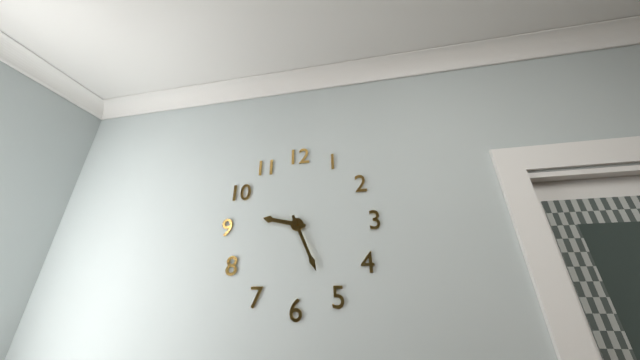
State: 9h26
